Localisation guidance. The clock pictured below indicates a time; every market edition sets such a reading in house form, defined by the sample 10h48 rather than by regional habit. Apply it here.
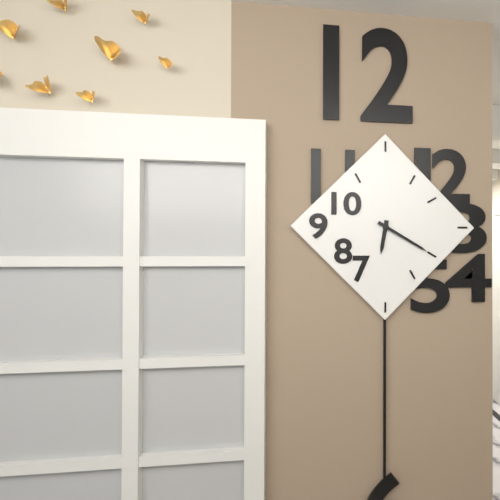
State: 6h20
